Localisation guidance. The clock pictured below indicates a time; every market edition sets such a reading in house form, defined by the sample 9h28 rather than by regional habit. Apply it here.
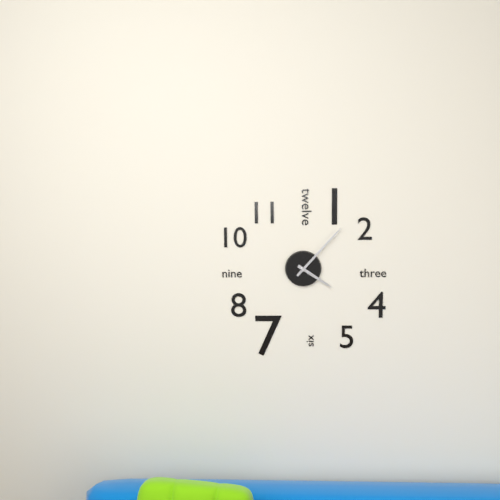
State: 4h07
